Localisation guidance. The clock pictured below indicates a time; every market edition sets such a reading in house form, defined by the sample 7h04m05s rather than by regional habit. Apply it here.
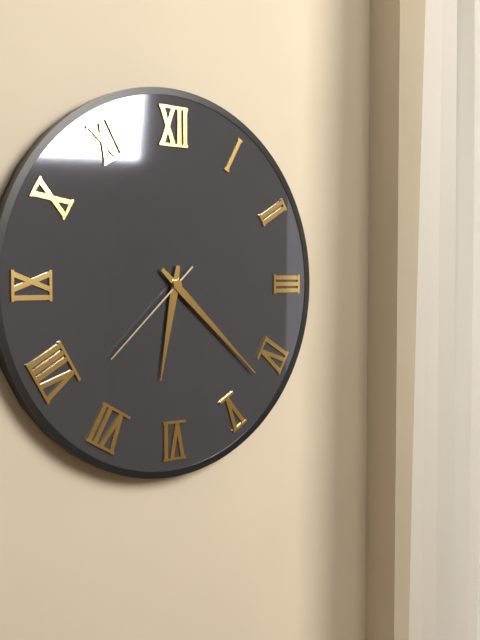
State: 6h22m38s
